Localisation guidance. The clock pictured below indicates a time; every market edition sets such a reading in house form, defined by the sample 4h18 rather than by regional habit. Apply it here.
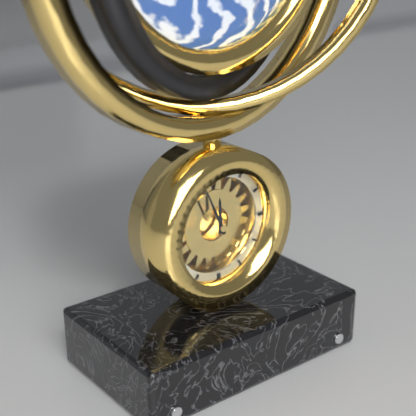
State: 11h56
